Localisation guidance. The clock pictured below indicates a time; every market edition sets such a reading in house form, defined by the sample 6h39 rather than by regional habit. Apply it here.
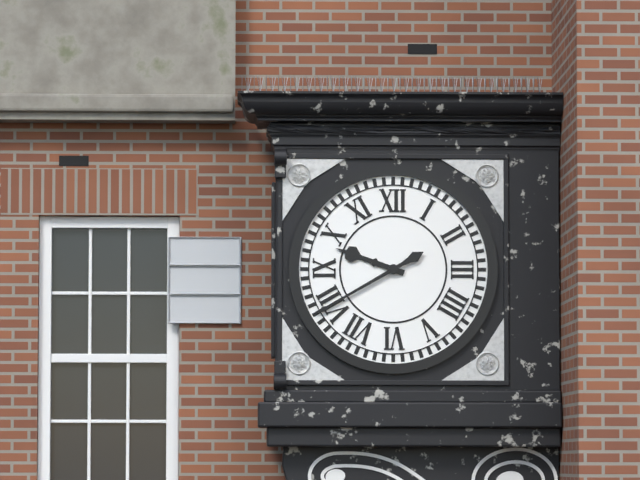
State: 9h40
